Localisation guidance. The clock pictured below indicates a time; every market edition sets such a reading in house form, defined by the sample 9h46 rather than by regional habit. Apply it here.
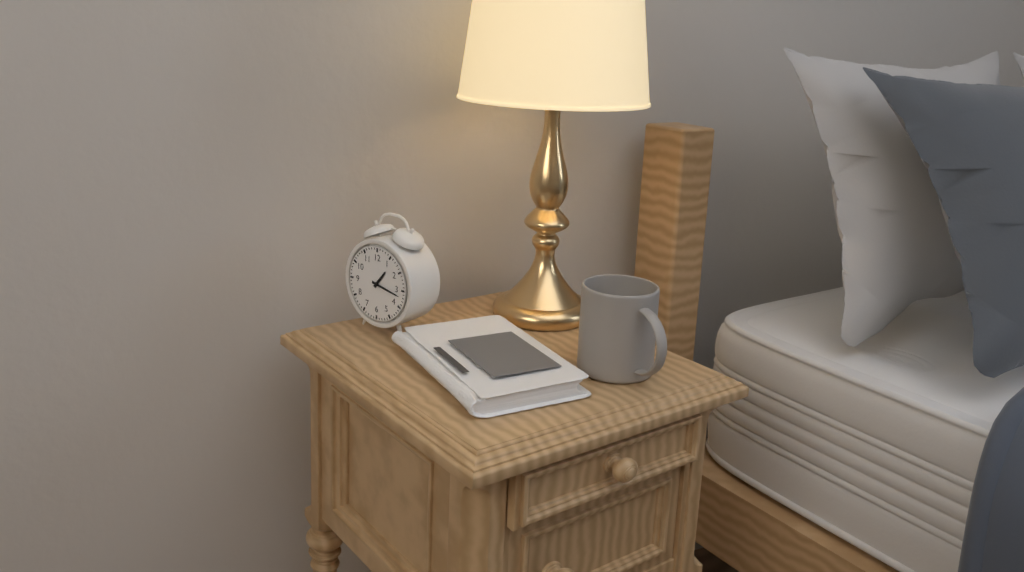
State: 1h17
